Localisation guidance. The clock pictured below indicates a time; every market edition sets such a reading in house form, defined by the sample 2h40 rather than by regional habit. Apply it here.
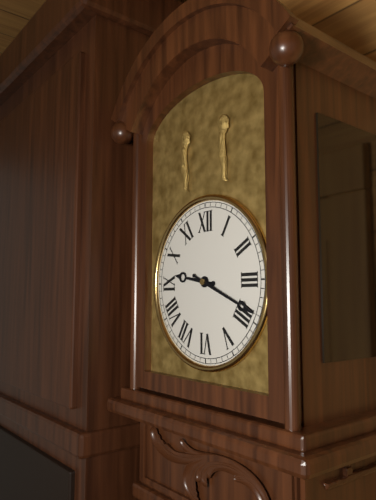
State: 9h19
